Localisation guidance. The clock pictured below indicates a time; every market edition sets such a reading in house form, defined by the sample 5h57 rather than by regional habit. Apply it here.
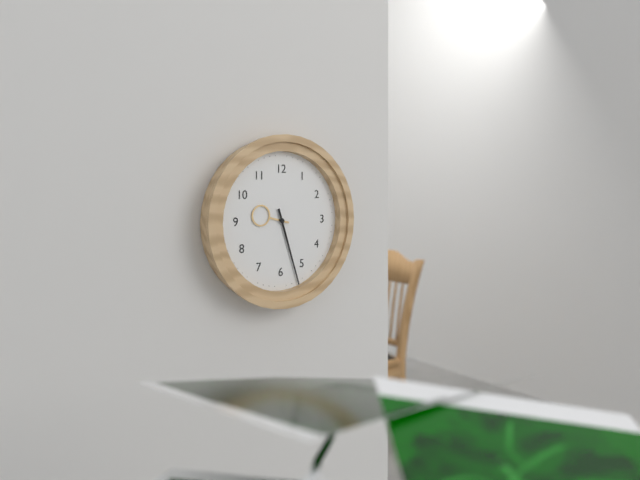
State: 9h27
